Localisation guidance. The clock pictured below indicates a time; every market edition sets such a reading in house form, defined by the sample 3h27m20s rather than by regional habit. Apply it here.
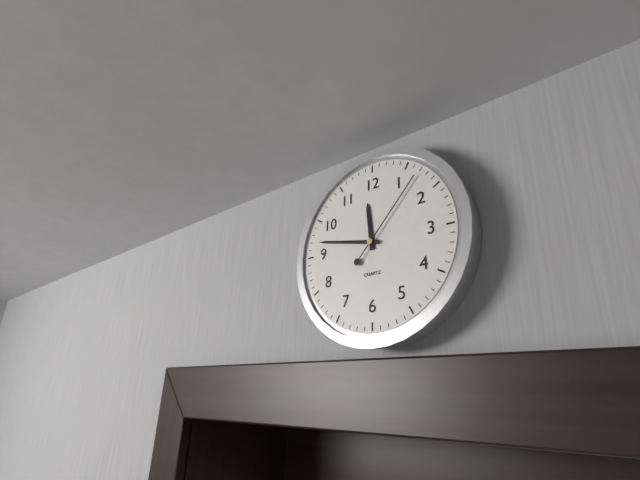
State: 11h47m07s
